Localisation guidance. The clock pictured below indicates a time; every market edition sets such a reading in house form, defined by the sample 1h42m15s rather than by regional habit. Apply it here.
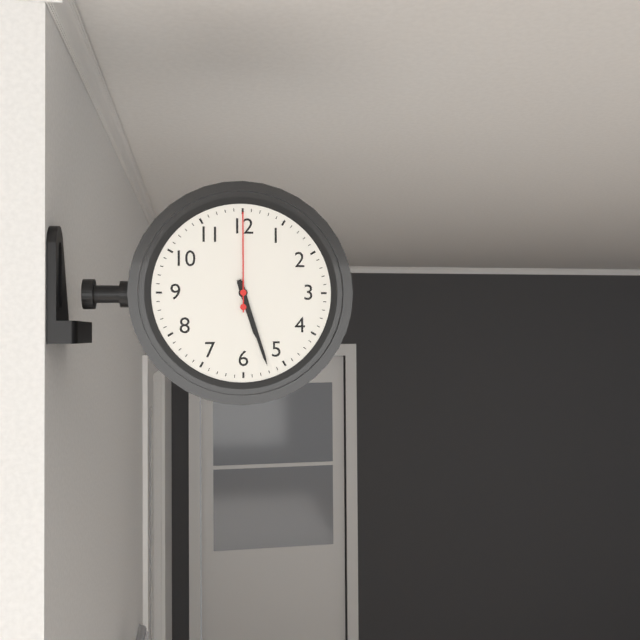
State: 5h27m00s
